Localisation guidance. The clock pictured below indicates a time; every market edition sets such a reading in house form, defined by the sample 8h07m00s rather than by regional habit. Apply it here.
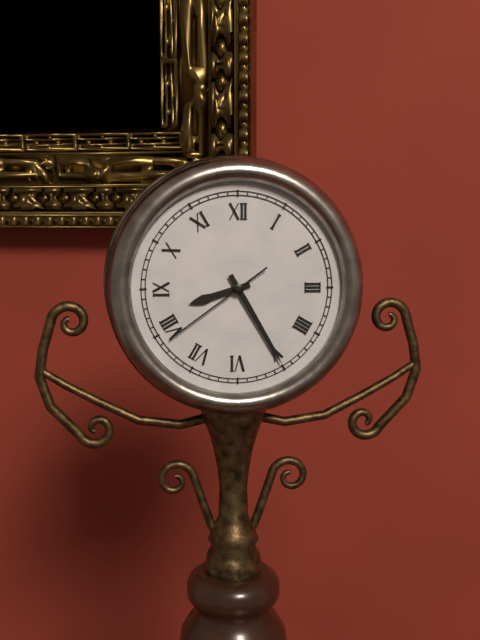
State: 8h25m39s
